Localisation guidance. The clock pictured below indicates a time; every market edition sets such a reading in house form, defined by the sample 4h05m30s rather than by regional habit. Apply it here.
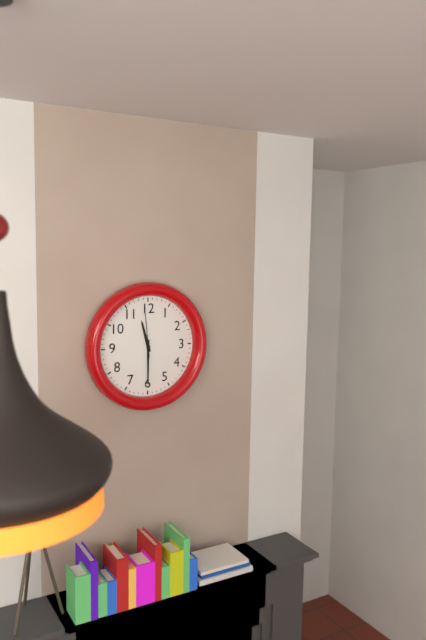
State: 11h30m59s
